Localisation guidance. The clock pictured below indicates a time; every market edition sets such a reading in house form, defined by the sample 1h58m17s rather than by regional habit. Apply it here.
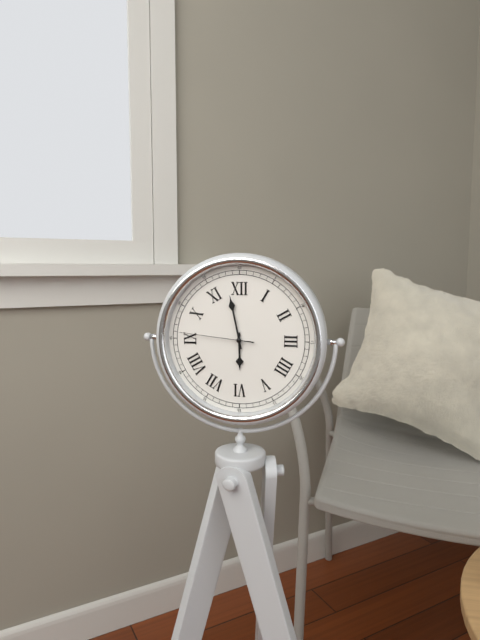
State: 5h58m46s
